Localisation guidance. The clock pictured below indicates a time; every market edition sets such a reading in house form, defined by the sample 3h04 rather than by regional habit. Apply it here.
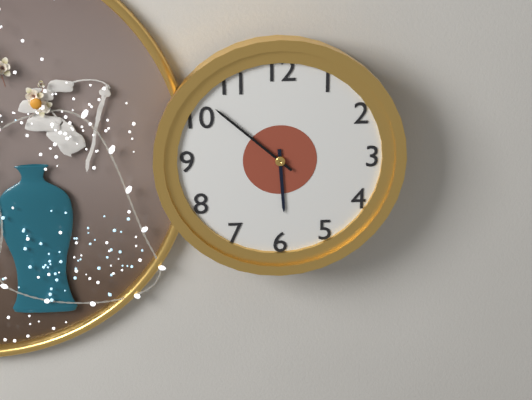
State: 5h52
